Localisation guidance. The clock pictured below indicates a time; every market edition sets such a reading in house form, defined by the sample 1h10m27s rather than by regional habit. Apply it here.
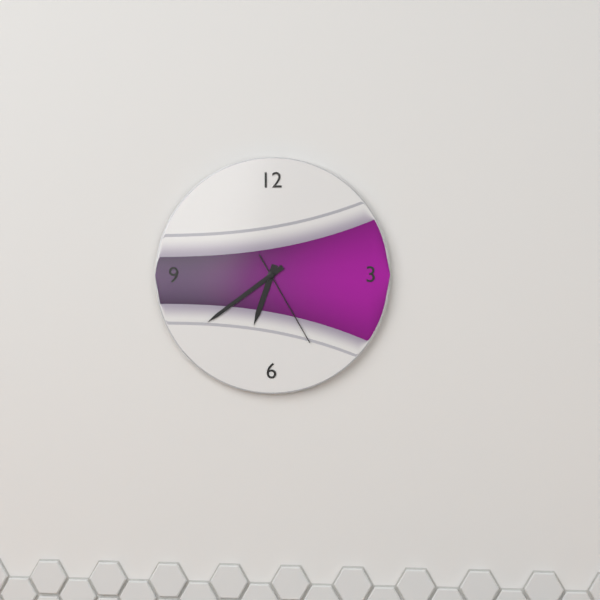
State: 6h39m25s
